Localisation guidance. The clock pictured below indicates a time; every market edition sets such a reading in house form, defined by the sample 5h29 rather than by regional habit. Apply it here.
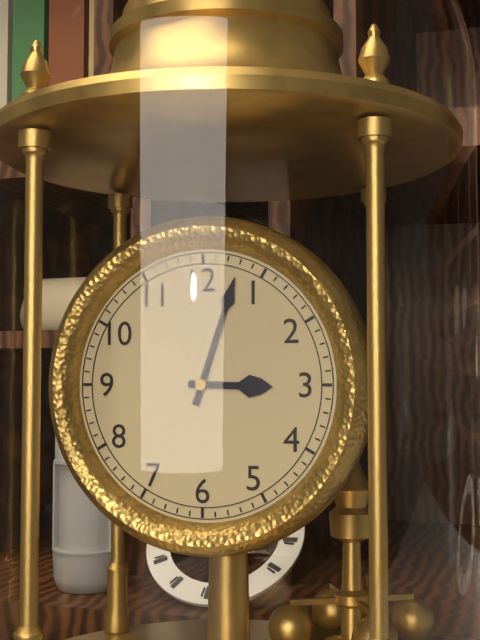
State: 3h03
